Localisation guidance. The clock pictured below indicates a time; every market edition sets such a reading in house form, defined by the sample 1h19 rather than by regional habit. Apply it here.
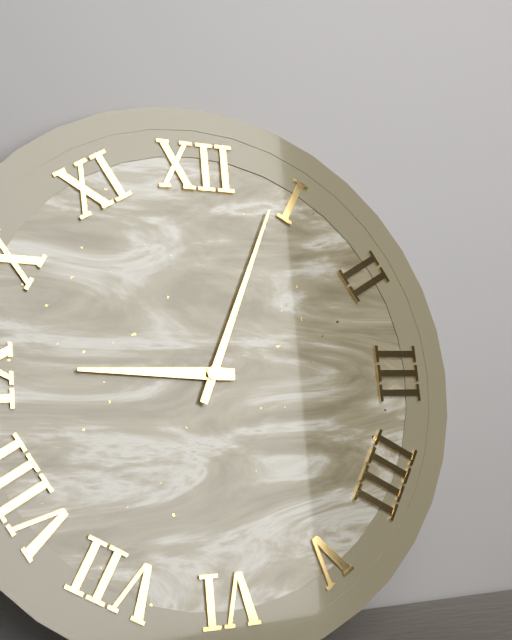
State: 9h04
